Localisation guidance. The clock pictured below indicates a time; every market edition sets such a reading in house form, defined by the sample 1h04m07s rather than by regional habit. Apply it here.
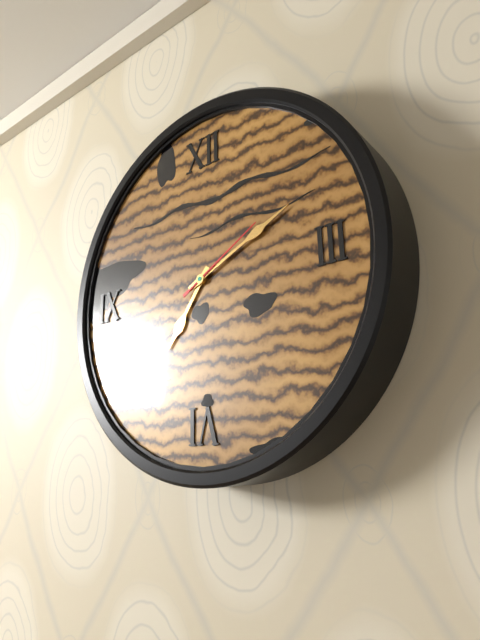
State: 7h11m10s
